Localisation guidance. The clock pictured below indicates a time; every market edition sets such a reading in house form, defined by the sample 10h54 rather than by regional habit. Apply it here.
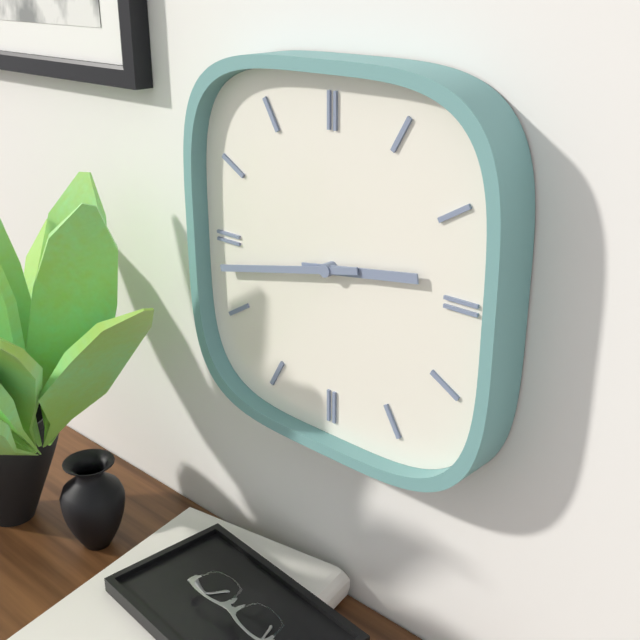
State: 2h43
